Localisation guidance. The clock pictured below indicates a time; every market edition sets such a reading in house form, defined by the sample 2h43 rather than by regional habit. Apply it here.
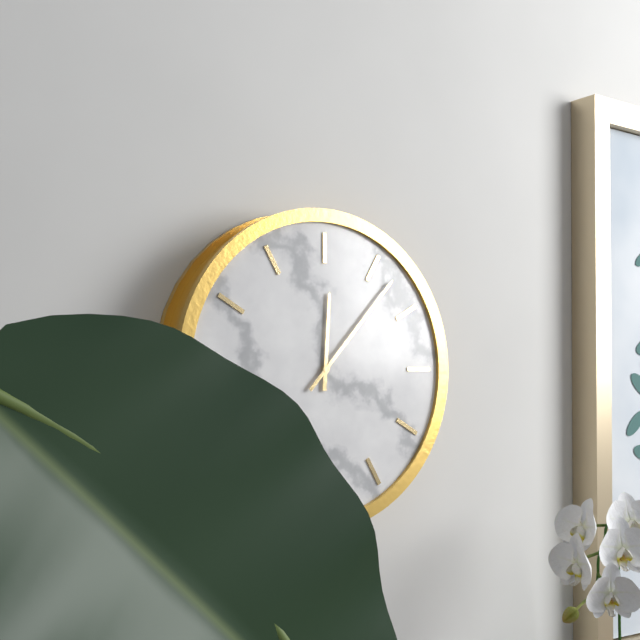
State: 12h07
